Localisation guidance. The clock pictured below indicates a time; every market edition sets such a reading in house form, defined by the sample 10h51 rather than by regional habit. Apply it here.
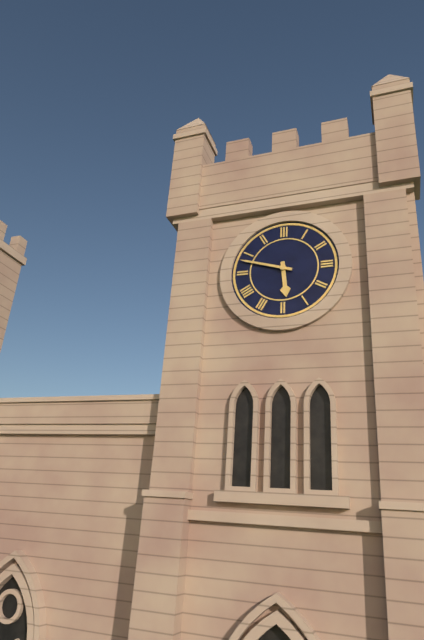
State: 5h48
